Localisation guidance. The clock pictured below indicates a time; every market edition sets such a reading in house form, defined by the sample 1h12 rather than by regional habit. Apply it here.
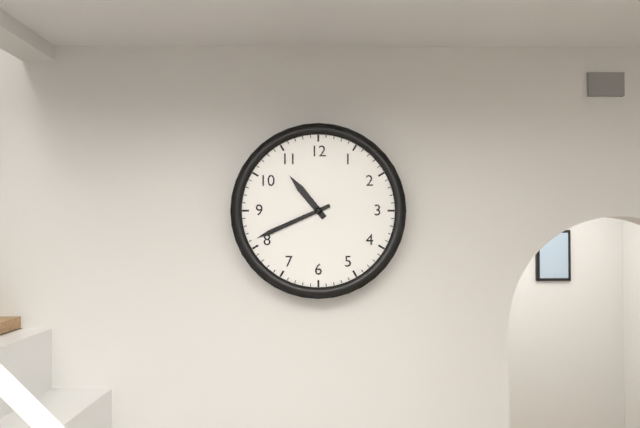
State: 10h41
